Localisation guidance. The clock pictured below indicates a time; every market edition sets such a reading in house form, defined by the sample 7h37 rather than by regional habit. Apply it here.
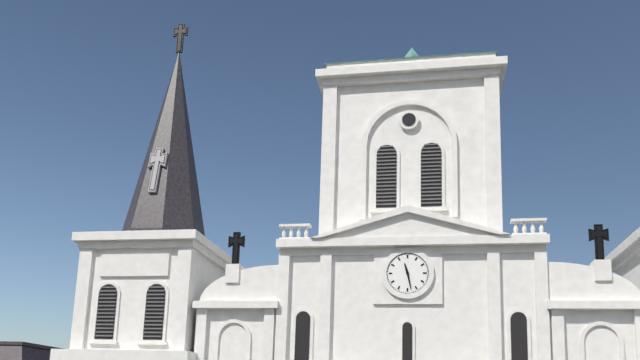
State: 11h28
